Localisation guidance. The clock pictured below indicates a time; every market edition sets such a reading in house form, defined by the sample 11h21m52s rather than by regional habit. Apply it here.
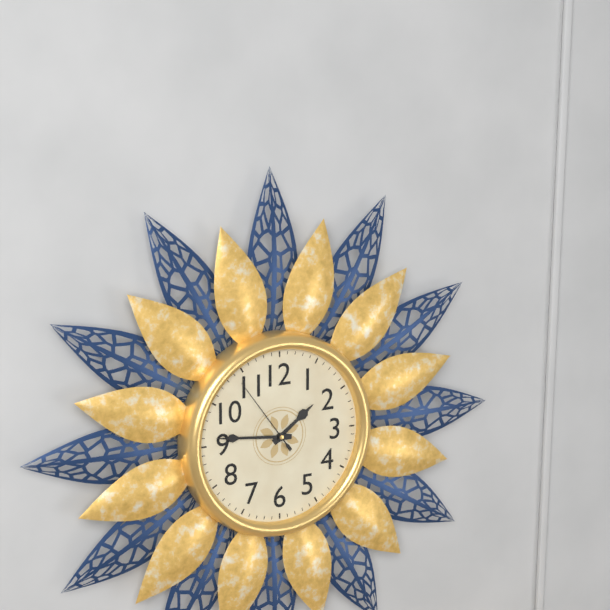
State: 1h46m54s
